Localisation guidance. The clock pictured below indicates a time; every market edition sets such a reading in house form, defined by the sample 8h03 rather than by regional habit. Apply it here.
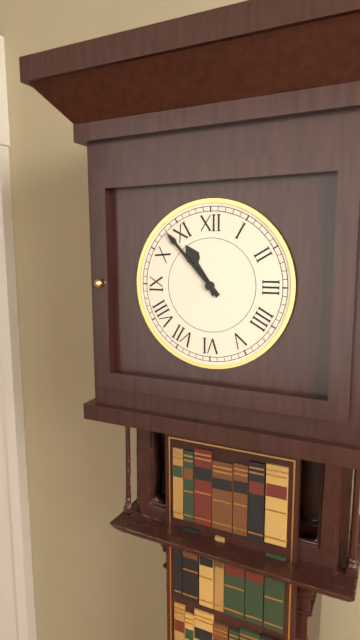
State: 10h53
